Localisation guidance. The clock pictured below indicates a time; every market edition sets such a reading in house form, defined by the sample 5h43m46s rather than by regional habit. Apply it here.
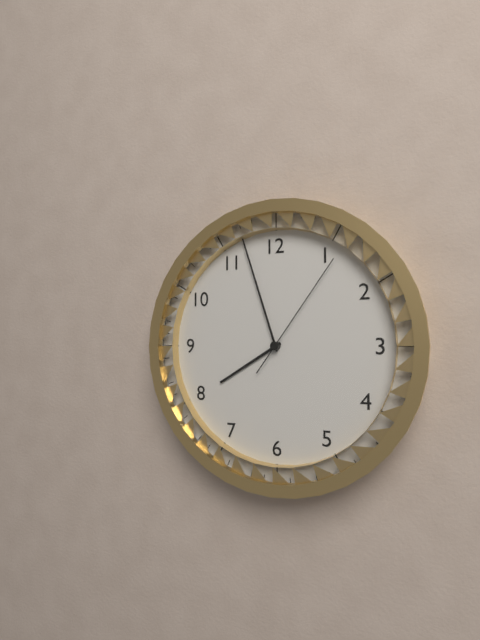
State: 7h57m06s
